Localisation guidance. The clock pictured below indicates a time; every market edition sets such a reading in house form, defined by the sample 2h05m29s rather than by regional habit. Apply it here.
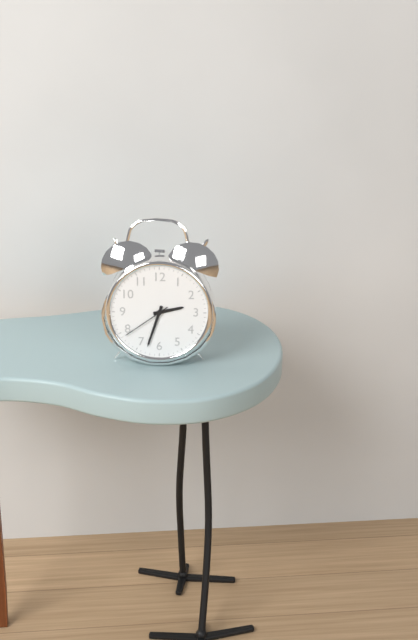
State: 2h33m39s
